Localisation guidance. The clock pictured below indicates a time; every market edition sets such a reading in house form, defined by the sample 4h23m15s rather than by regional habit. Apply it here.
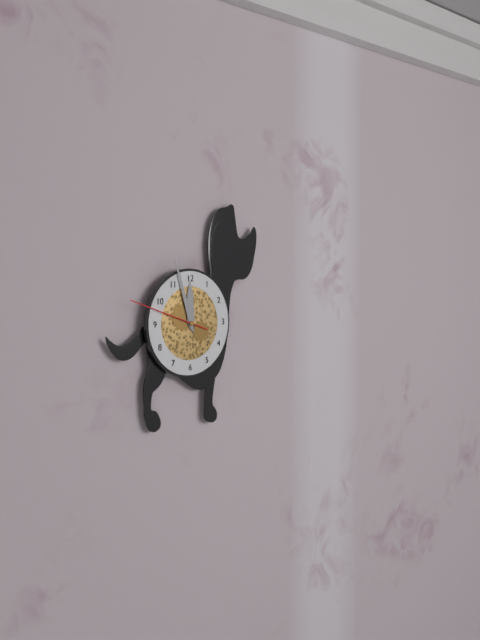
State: 11h57m48s
